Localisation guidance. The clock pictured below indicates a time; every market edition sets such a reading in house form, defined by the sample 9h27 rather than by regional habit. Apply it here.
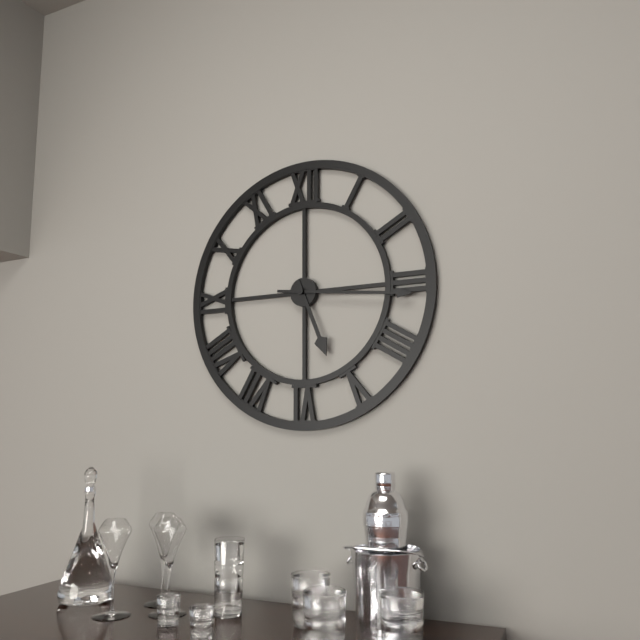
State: 5h16
